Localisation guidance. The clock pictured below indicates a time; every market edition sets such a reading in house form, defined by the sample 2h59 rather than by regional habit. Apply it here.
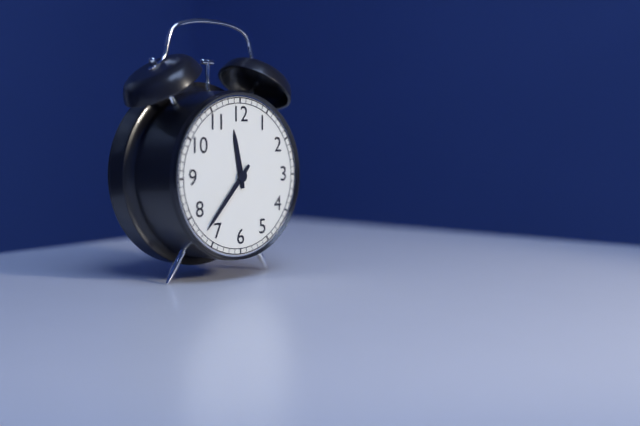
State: 11h37
